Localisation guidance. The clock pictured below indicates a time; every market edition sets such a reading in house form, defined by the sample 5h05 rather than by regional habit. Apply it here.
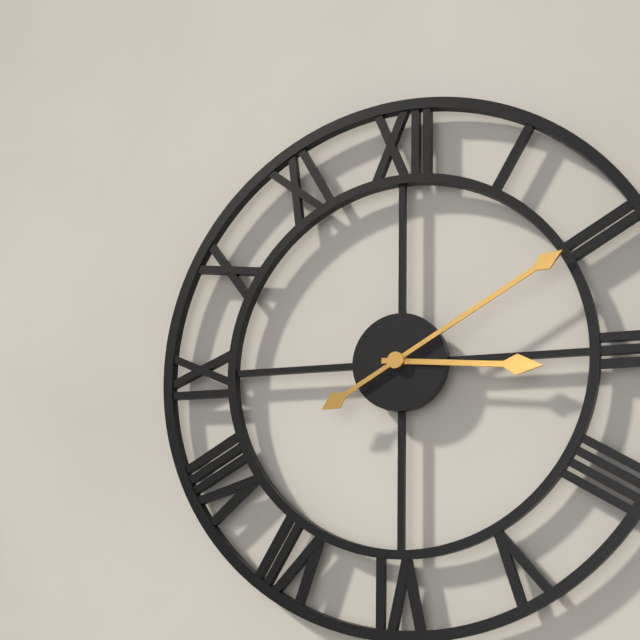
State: 3h10
